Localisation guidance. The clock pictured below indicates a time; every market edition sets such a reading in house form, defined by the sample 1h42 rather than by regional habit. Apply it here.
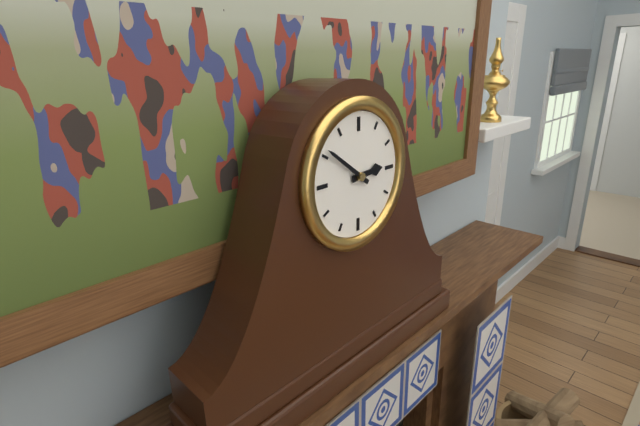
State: 2h51
